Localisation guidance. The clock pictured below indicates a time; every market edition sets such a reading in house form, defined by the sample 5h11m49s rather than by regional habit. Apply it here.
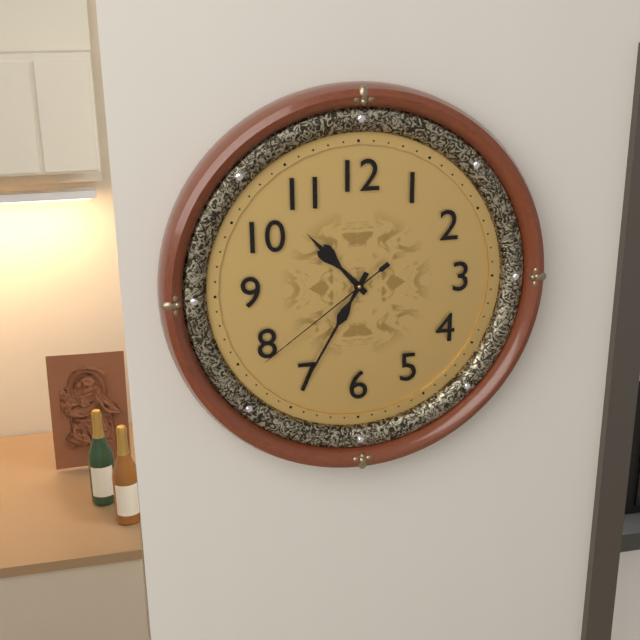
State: 10h35m39s
